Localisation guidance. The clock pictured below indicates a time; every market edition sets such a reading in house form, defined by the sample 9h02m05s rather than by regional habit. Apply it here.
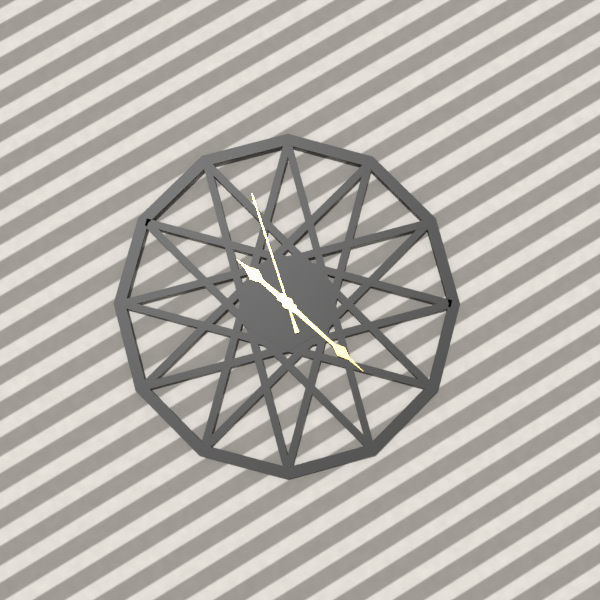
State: 10h22m57s
